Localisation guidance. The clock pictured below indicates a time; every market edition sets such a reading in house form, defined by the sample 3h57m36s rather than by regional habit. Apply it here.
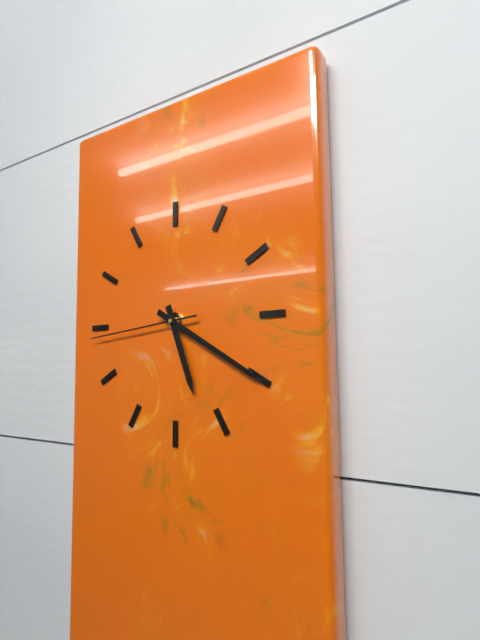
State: 5h20m44s
